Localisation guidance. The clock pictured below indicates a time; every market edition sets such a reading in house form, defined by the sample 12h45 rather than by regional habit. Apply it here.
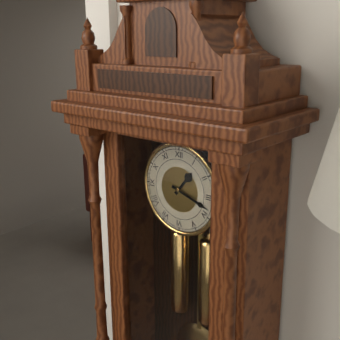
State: 1h18
